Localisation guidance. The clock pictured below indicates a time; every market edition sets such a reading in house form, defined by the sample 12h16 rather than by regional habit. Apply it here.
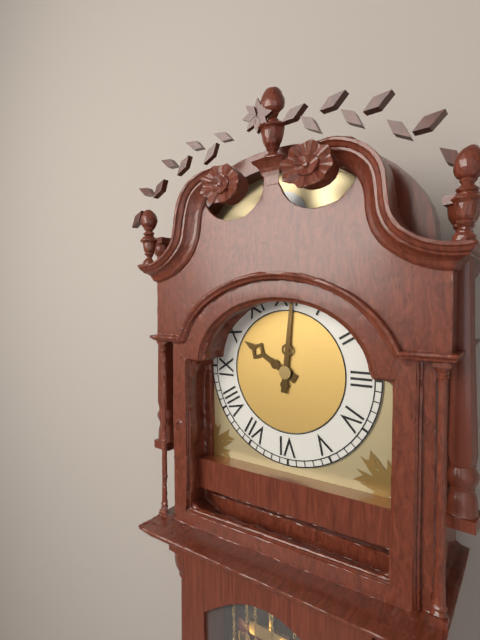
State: 10h01
